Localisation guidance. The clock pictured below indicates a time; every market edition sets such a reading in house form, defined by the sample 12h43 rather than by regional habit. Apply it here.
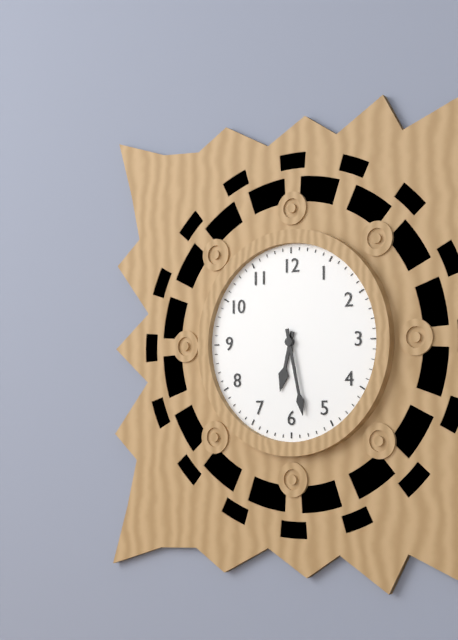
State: 6h28
